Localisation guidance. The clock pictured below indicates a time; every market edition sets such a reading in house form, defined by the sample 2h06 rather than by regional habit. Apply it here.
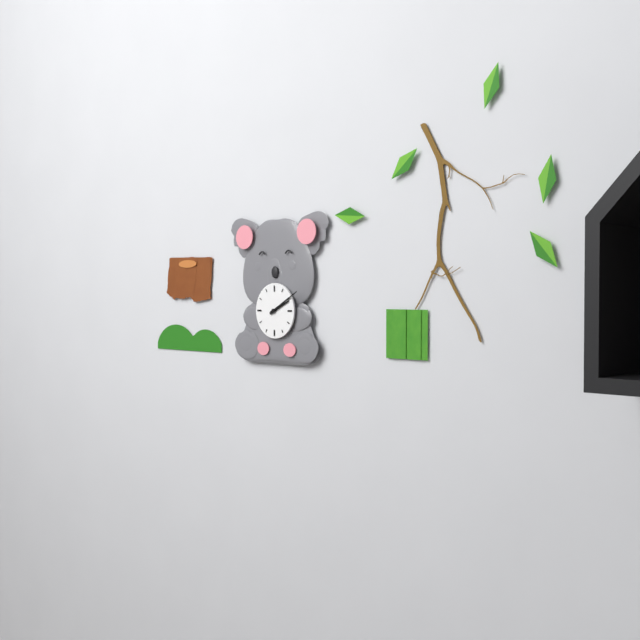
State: 2h10
